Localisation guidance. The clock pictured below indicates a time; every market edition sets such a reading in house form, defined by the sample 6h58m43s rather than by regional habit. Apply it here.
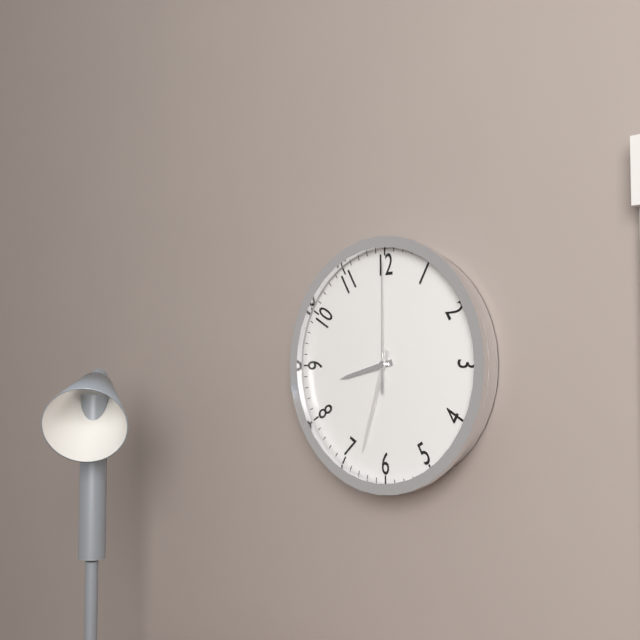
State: 8h33m00s
